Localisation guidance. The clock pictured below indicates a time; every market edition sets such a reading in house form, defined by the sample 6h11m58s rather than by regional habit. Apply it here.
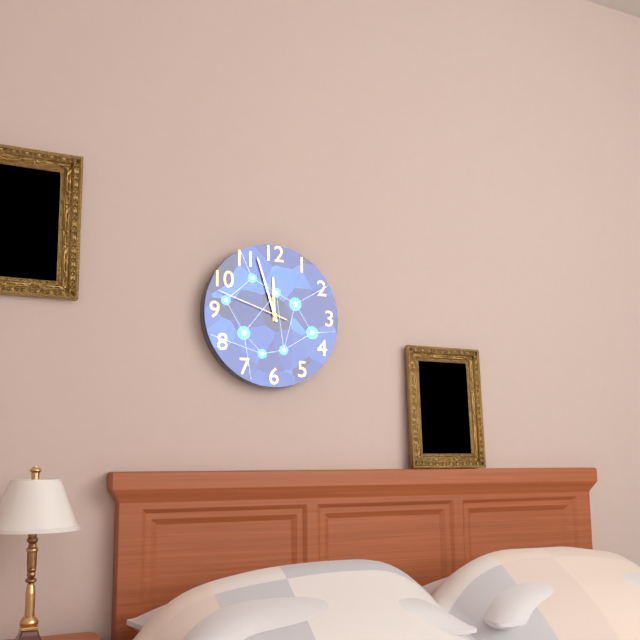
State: 11h57m48s
